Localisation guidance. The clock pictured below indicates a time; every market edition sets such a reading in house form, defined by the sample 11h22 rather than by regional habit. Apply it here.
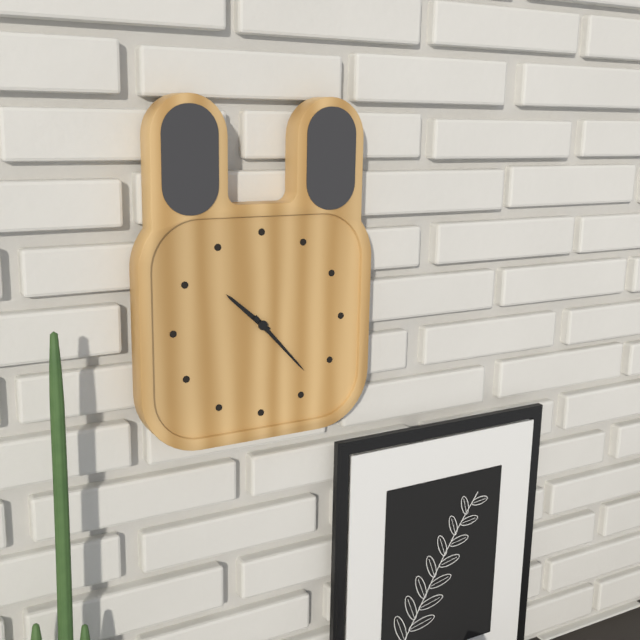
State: 10h23
